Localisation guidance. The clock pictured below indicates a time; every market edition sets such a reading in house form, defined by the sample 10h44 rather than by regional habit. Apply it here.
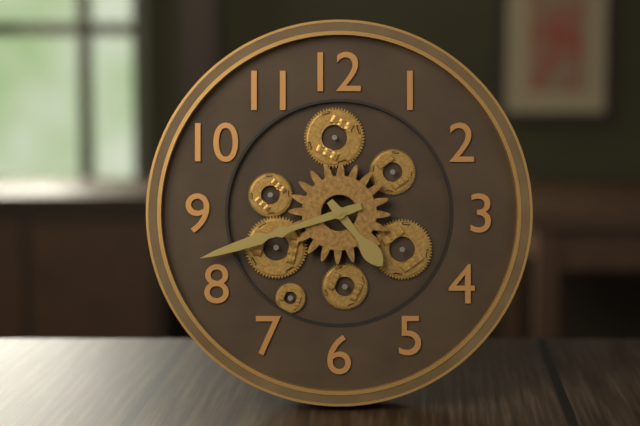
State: 4h42
